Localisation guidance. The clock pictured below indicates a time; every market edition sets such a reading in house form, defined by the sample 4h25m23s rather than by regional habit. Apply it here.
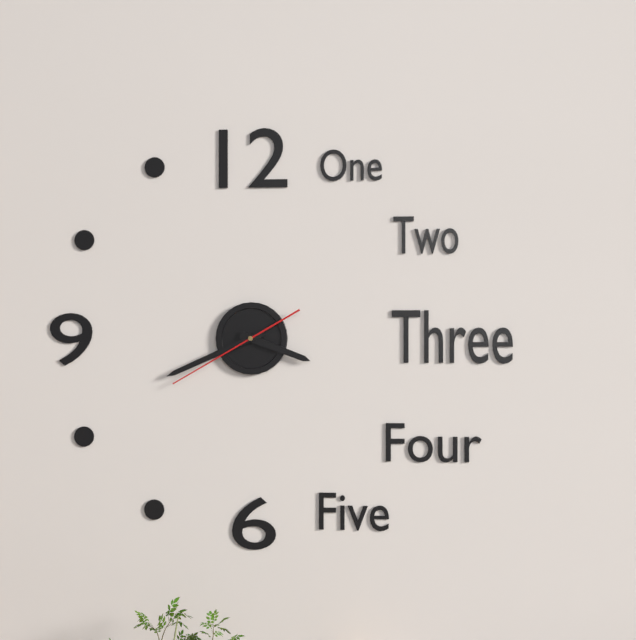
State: 3h41m40s
